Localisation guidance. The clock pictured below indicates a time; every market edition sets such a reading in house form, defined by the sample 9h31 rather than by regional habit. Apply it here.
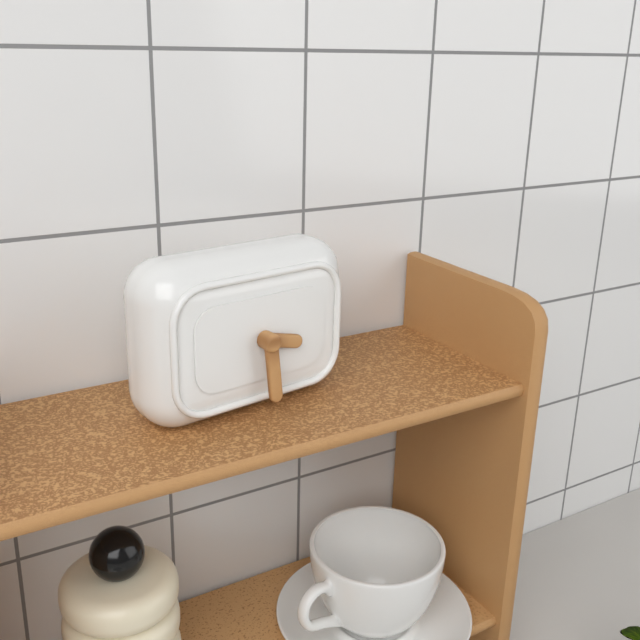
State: 3h29
